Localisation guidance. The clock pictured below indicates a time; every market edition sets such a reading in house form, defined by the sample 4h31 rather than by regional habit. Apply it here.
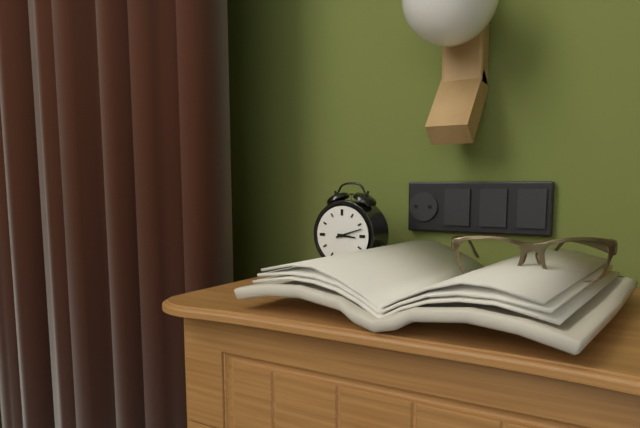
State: 3h12
